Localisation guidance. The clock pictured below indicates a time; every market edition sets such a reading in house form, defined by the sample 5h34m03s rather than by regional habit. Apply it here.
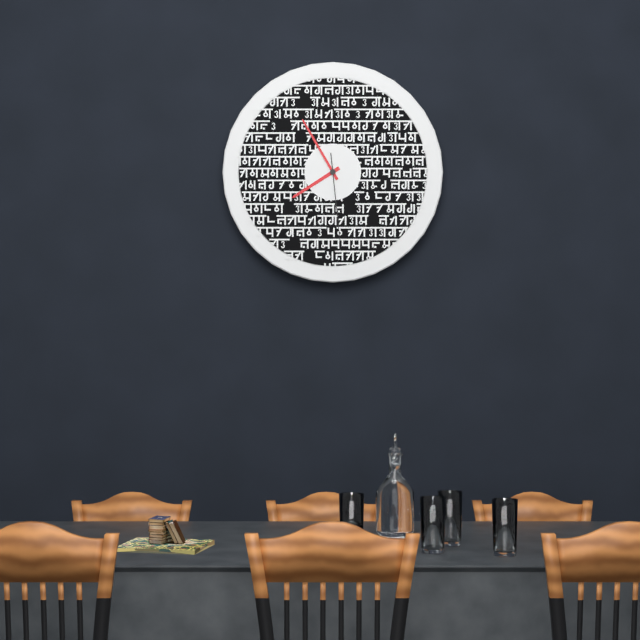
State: 7h55m29s
